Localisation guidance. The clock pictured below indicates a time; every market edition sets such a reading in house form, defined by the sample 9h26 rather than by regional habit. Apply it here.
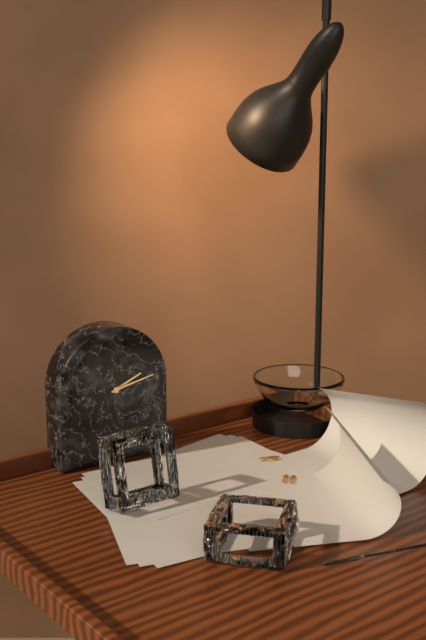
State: 2h13
